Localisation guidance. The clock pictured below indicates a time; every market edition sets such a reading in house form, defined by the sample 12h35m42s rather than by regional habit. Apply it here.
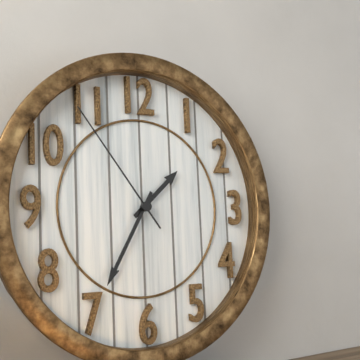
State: 1h35m54s
